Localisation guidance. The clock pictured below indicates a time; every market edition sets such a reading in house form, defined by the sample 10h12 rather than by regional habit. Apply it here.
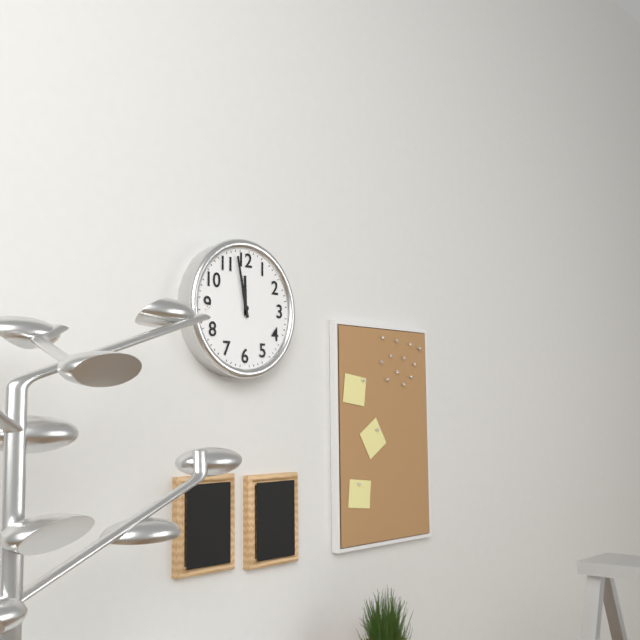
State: 11h58
